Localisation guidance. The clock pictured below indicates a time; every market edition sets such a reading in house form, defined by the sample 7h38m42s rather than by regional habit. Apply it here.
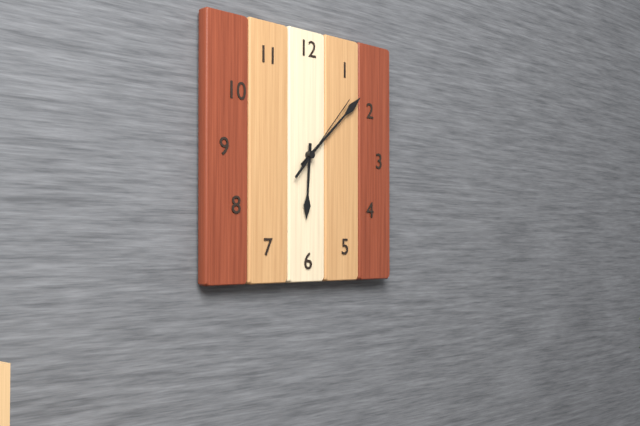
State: 6h08m07s
